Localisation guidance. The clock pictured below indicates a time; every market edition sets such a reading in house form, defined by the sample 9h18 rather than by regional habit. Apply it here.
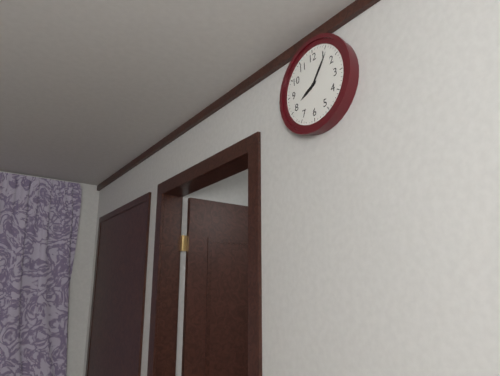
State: 8h06
